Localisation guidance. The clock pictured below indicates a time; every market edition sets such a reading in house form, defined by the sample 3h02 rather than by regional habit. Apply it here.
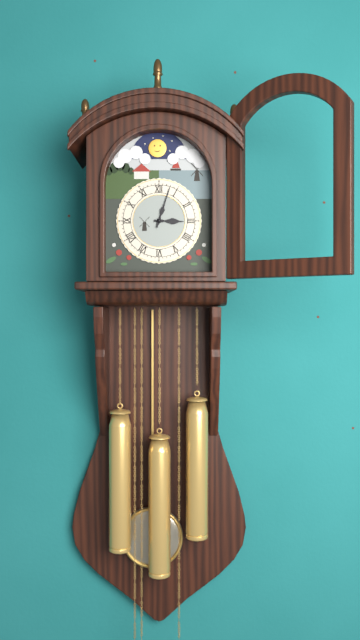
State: 3h03
